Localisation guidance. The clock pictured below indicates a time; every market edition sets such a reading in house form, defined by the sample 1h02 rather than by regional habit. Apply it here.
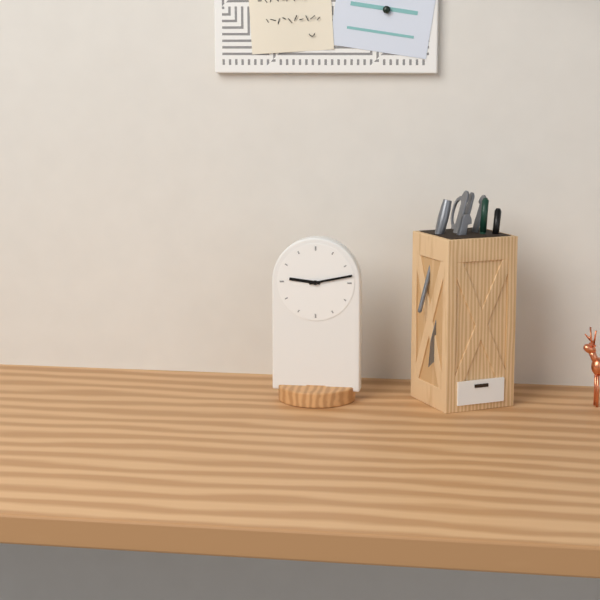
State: 9h13
